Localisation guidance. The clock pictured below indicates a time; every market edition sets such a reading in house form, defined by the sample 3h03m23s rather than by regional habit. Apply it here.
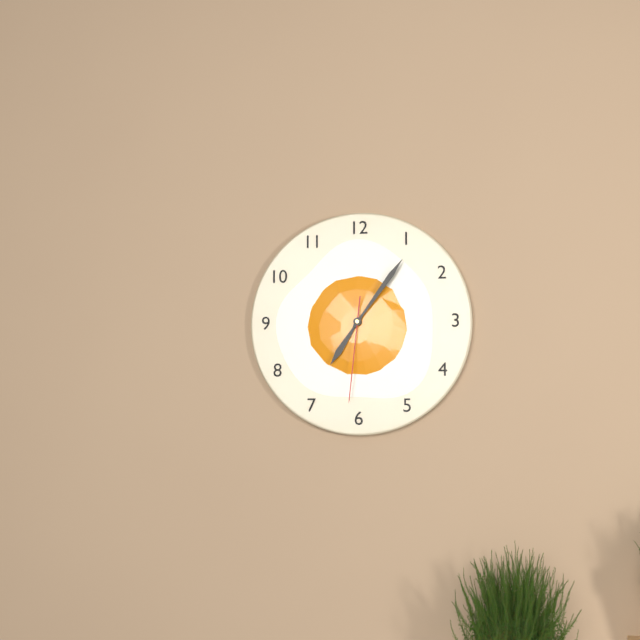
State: 7h06m31s
